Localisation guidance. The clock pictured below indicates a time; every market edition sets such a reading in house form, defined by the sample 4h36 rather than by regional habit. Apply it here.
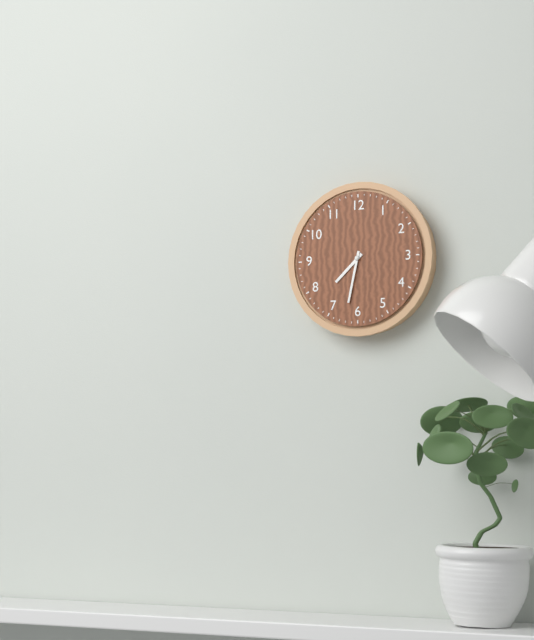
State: 7h32
